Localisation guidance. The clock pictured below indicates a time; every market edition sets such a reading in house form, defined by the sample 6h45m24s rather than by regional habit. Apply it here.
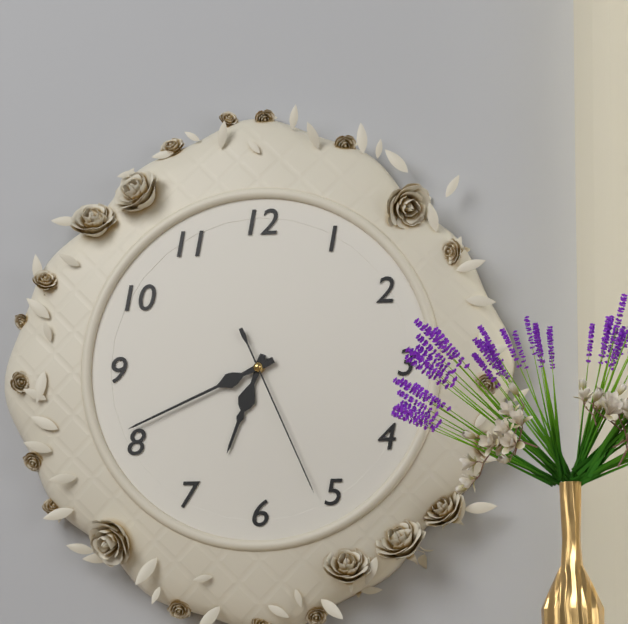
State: 6h41m26s
